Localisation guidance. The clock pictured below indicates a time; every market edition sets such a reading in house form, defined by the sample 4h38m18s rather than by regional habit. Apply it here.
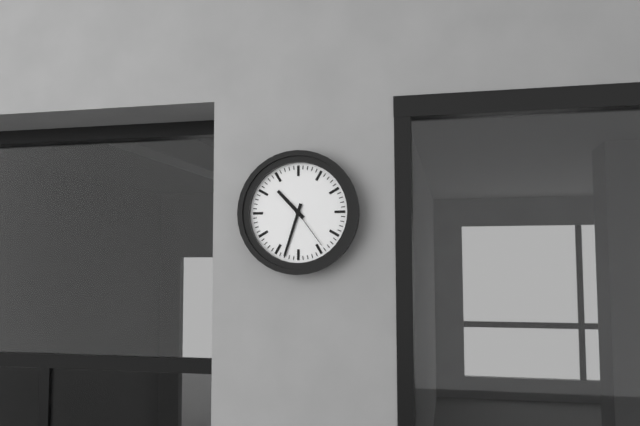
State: 10h33m24s
